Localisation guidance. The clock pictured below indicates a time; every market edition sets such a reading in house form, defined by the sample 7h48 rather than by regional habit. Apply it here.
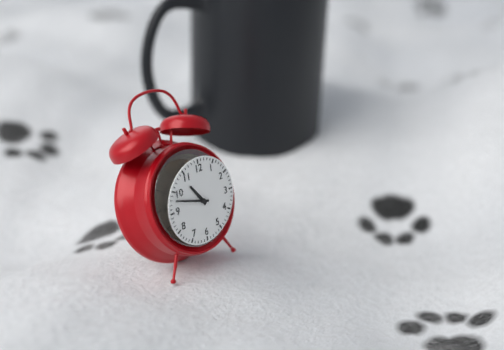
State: 10h48
